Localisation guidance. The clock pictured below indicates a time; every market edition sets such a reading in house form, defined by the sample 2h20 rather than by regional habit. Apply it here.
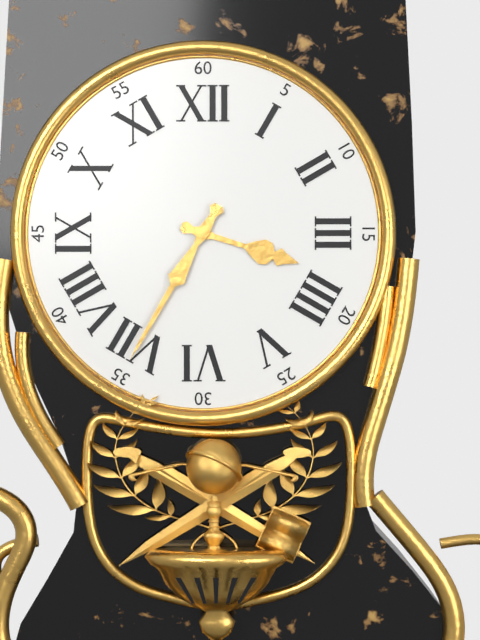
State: 3h35
